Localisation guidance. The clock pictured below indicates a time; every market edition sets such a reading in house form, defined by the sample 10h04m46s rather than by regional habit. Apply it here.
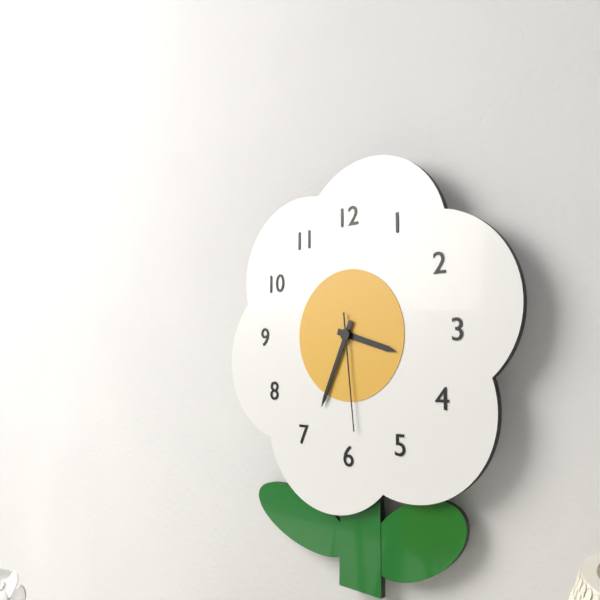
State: 3h34m29s
